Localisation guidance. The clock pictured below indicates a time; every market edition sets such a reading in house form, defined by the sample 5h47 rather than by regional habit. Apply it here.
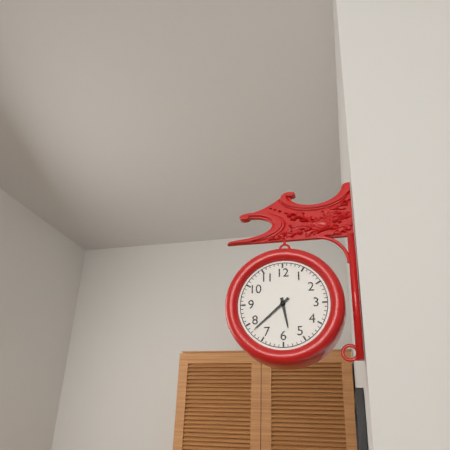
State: 5h38
